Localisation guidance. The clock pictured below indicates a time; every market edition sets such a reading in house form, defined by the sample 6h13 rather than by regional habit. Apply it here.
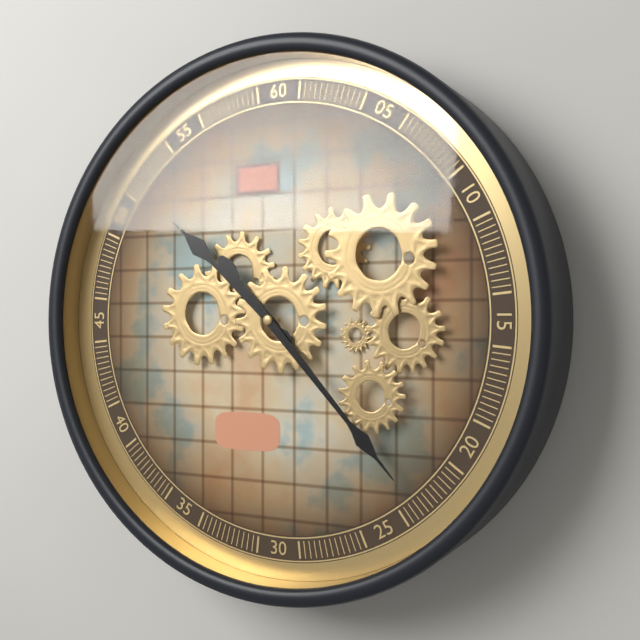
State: 10h23
